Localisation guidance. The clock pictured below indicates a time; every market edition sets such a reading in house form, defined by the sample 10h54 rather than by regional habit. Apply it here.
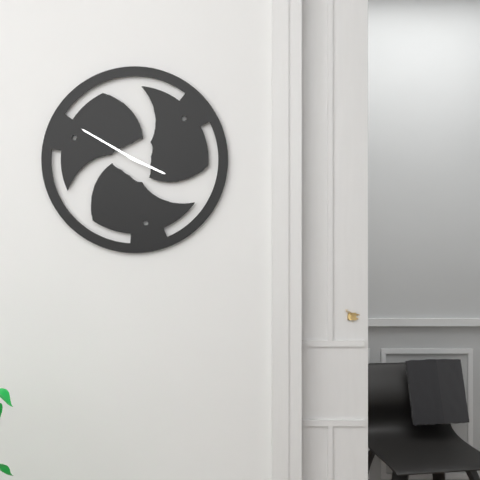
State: 3h50
